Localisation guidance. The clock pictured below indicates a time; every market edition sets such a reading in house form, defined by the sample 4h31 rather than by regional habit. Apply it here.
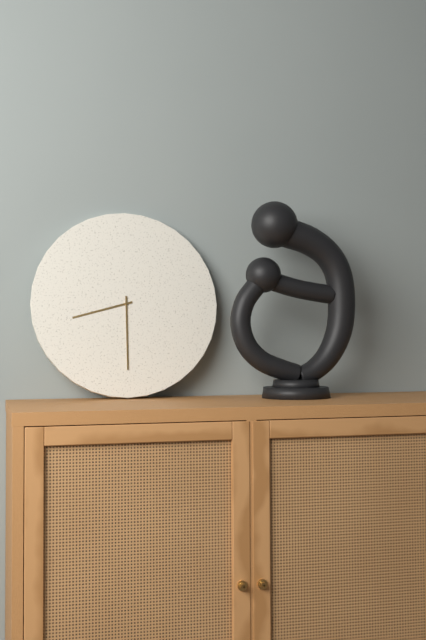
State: 8h30
